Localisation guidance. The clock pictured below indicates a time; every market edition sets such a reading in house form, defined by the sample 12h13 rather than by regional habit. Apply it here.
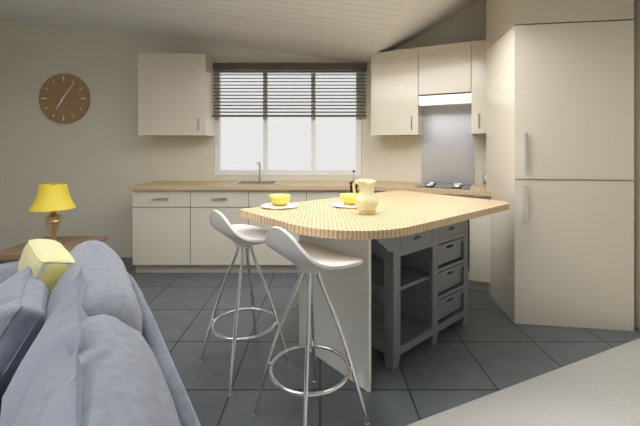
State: 7h06
